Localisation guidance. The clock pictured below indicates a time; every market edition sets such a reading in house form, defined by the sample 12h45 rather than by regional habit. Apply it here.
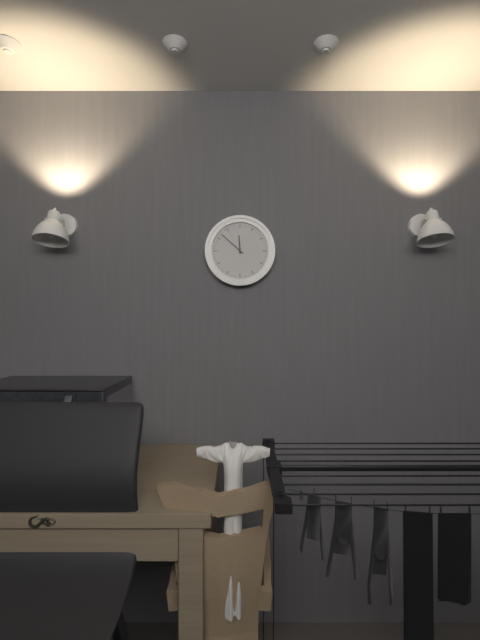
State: 11h52
